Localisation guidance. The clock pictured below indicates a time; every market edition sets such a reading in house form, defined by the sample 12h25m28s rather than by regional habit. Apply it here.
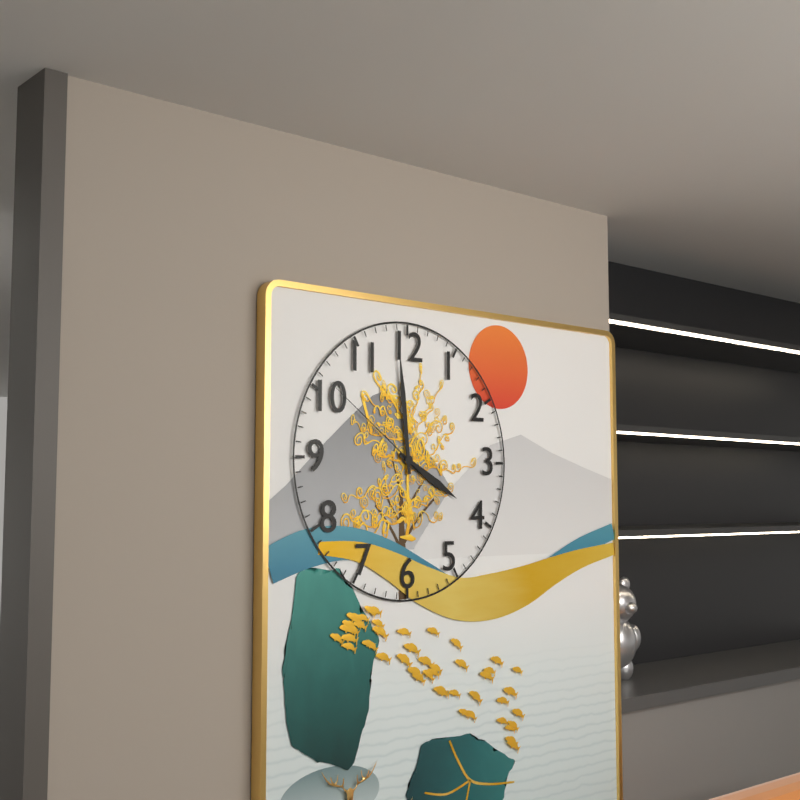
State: 3h59m51s
